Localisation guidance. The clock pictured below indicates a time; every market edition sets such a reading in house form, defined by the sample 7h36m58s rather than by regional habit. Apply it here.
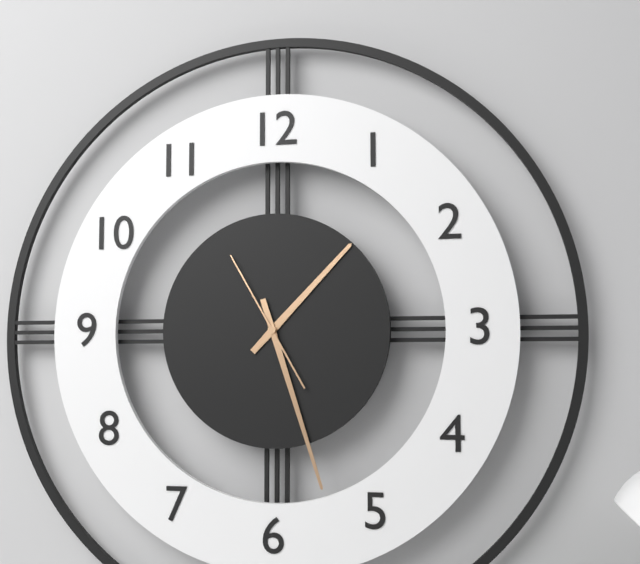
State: 1h27m55s
